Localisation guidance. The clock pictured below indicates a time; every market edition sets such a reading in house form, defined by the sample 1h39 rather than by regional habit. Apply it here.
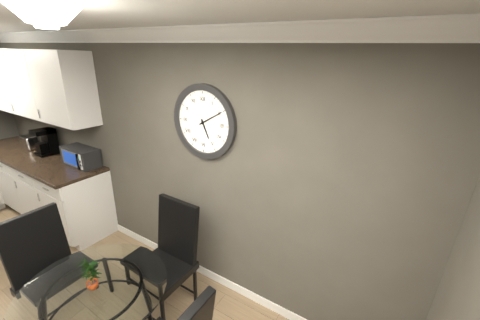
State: 5h10
